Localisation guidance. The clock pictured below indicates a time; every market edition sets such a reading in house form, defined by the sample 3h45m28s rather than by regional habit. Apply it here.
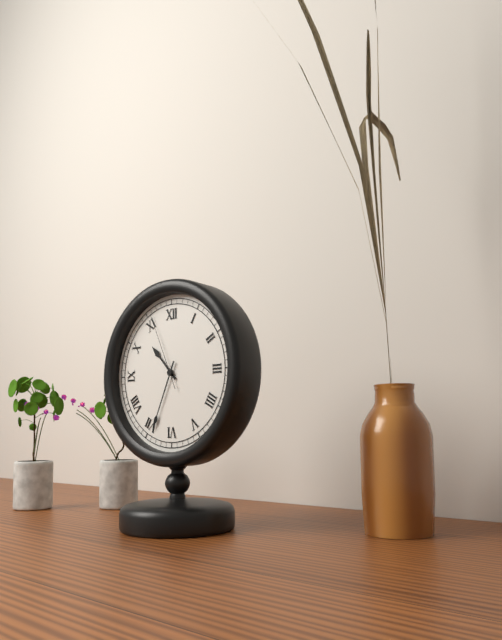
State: 10h34m56s
